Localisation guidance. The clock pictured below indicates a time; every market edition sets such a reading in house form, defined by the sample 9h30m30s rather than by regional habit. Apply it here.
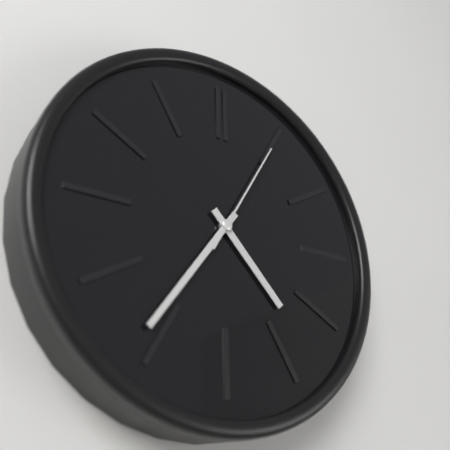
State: 4h36m05s
